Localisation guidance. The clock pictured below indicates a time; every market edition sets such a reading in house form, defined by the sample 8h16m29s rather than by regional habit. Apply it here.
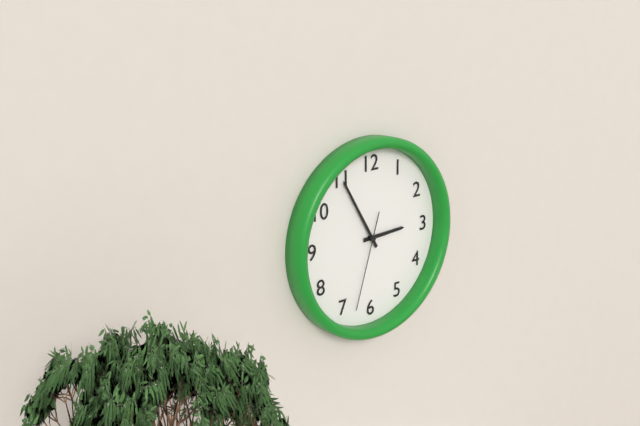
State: 2h55m33s
